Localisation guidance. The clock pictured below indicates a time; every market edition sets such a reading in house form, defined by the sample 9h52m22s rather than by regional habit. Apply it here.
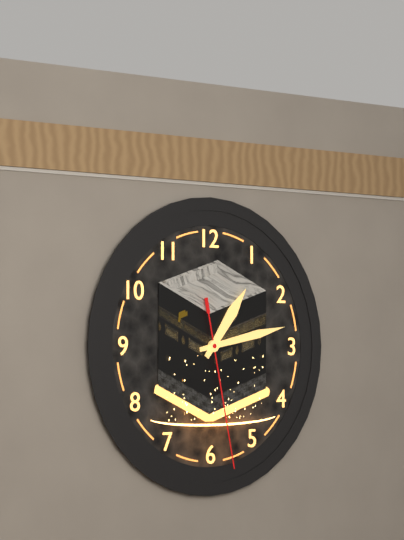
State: 1h13m28s
